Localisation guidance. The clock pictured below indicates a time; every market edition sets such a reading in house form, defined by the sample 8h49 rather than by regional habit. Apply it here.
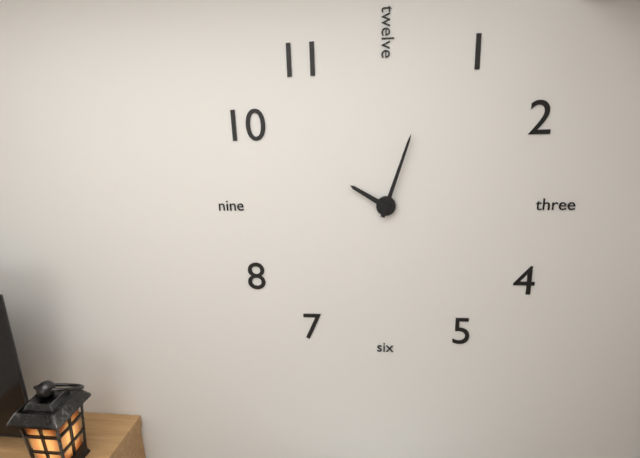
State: 10h03
